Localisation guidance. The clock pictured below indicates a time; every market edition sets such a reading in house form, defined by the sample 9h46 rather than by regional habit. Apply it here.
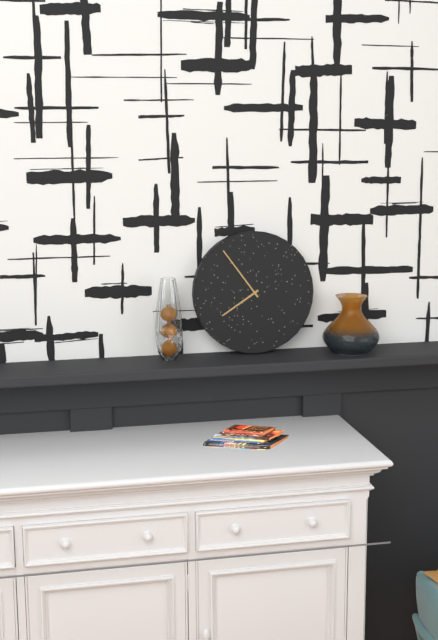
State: 7h54
